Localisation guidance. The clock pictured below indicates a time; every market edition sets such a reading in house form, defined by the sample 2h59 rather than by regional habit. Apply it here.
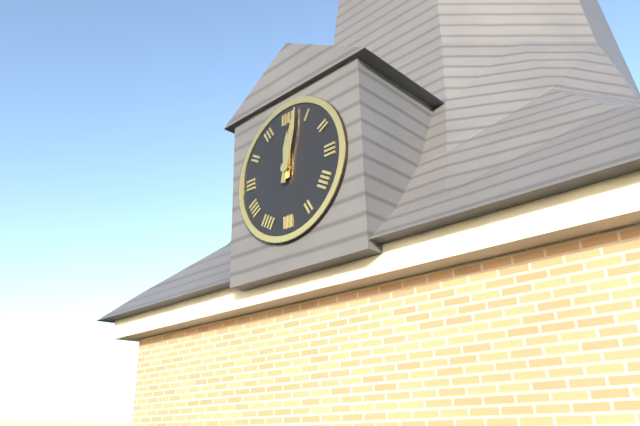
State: 12h02
